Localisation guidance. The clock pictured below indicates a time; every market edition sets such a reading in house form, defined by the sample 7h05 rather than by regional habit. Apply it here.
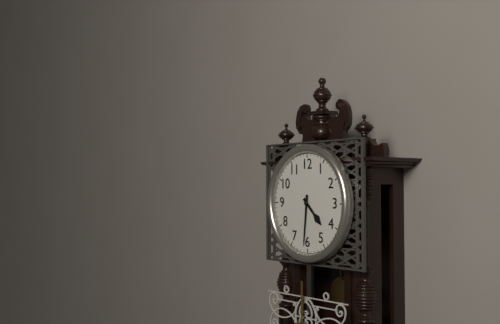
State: 4h31
